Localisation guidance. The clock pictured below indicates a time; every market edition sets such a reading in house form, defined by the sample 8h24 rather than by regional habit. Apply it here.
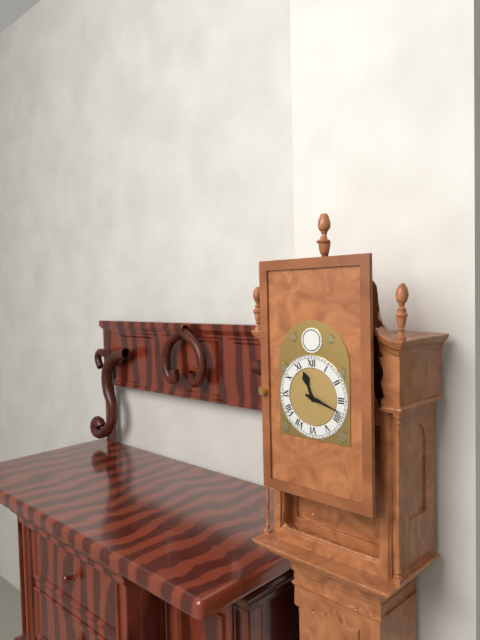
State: 11h18
